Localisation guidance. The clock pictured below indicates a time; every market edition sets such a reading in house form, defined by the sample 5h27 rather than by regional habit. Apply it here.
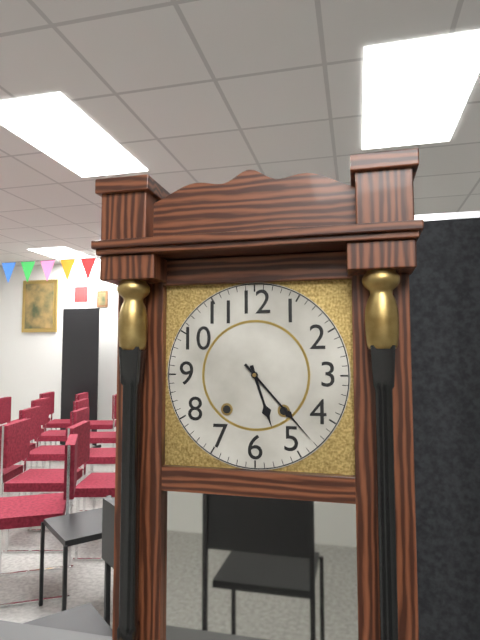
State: 5h23
